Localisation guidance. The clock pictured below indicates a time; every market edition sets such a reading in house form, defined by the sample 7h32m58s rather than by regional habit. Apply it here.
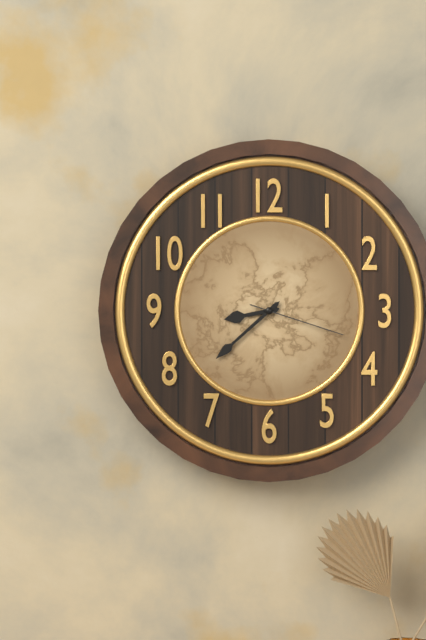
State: 8h38m18s
